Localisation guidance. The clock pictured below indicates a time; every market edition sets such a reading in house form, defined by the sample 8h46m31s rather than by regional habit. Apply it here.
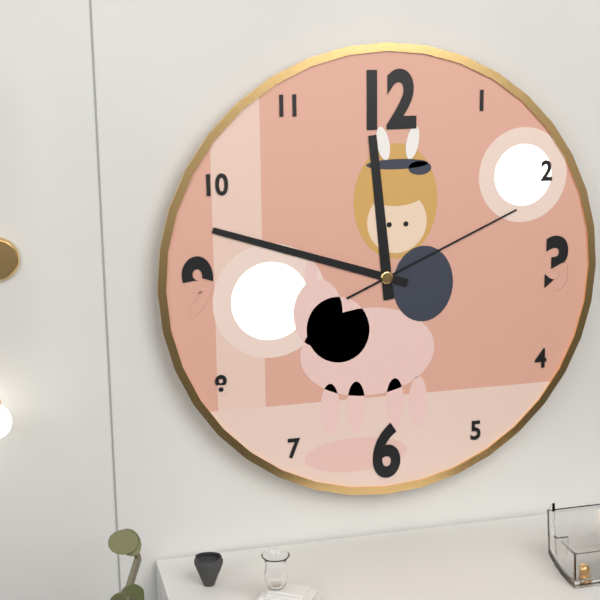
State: 11h48m11s
